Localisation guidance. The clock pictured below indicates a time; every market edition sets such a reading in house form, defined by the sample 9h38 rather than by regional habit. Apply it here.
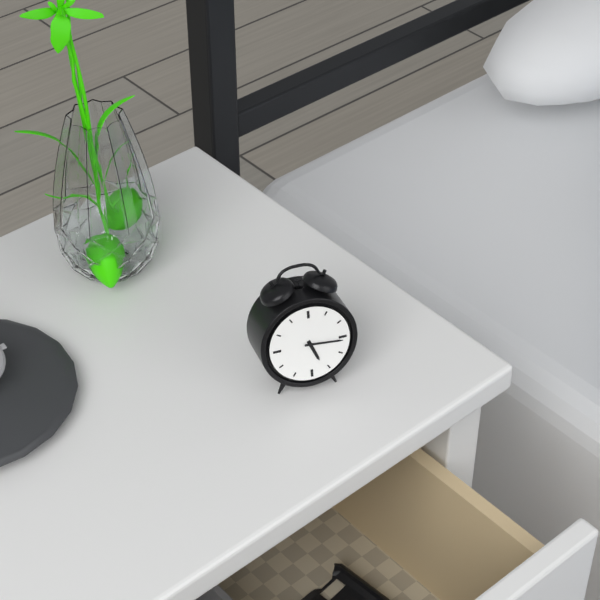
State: 5h16
